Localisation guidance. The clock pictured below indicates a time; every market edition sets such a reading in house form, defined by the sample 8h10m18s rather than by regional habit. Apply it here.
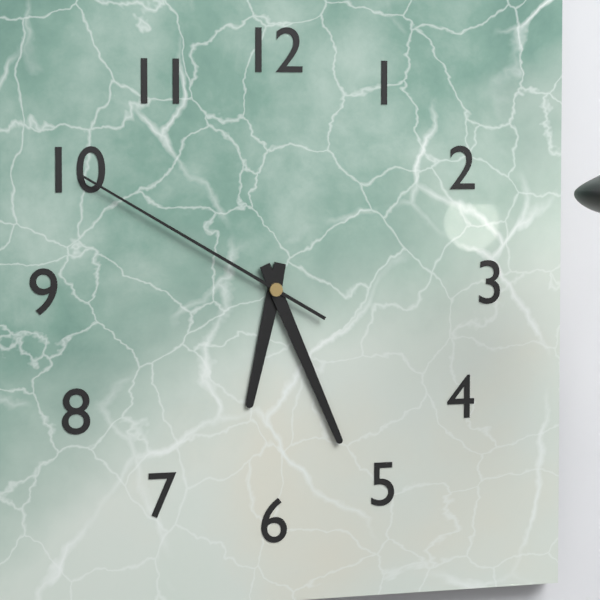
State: 6h26m50s
